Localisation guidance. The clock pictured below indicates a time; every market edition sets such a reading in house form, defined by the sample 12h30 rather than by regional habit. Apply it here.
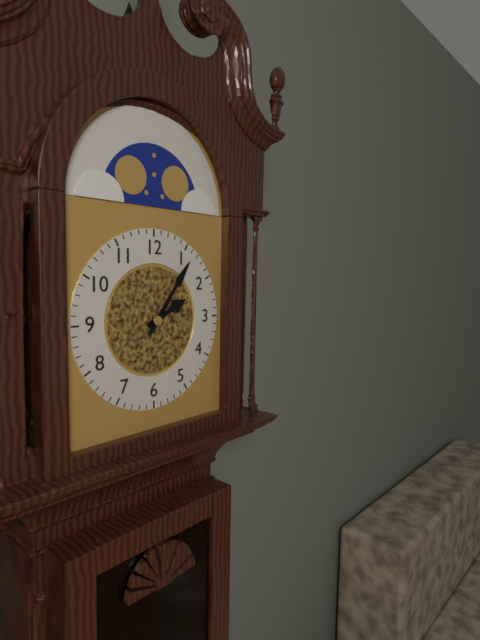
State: 2h06
